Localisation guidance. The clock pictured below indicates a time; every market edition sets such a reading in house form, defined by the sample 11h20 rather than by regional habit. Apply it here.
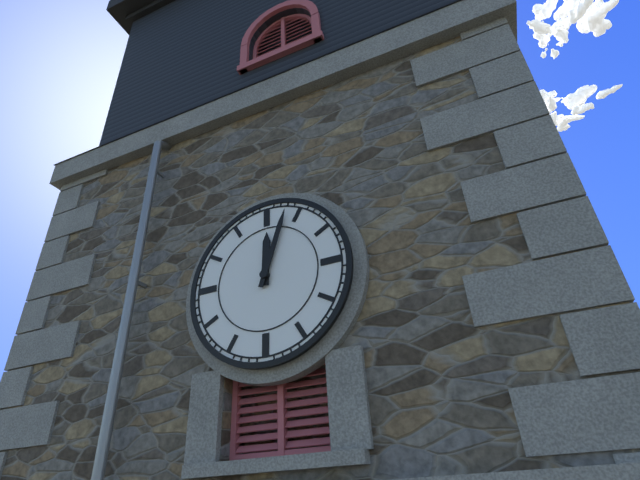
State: 12h03
